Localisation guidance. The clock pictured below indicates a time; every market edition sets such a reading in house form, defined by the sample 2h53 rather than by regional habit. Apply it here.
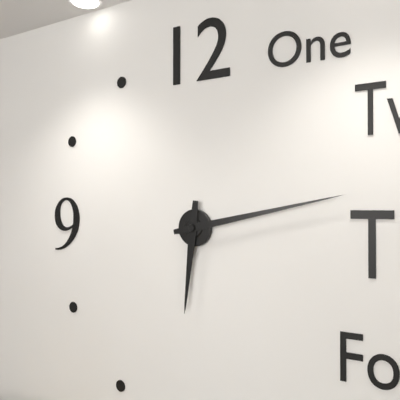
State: 6h13
